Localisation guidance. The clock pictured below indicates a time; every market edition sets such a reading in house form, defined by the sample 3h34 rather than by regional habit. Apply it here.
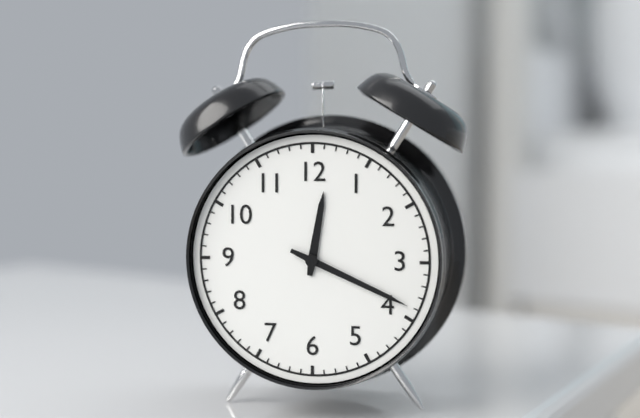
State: 12h19
